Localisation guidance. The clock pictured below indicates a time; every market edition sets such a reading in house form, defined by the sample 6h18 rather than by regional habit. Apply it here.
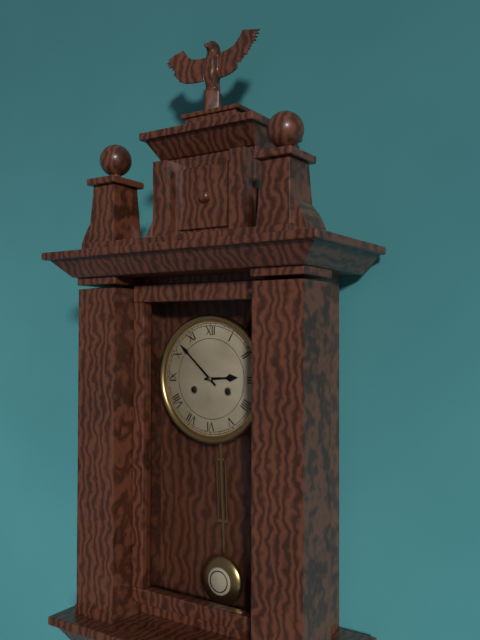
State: 2h52
